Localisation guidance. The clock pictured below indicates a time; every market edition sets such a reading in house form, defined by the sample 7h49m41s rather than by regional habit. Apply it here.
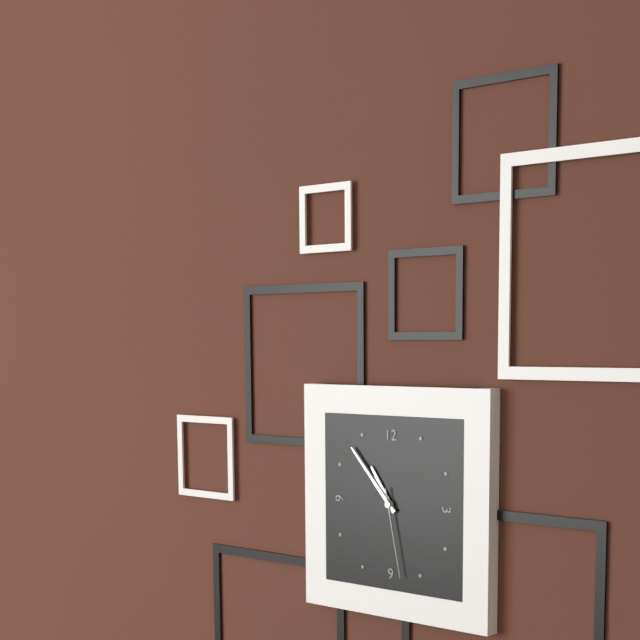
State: 10h53m28s
